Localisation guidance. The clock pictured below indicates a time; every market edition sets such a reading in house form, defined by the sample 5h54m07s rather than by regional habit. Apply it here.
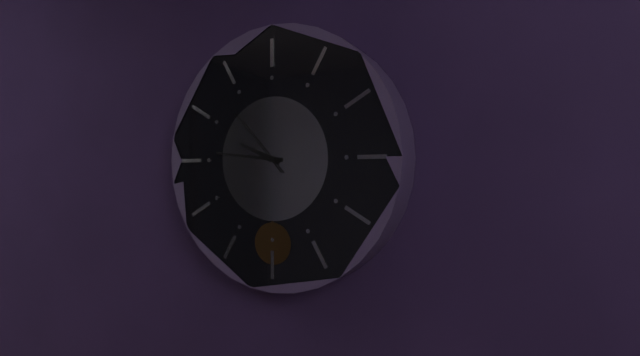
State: 9h46m53s
